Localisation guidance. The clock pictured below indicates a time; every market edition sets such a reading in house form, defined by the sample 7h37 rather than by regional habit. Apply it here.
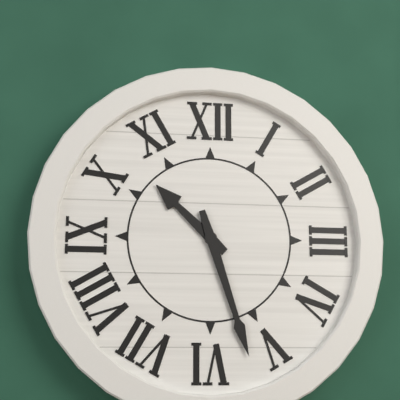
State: 10h27
